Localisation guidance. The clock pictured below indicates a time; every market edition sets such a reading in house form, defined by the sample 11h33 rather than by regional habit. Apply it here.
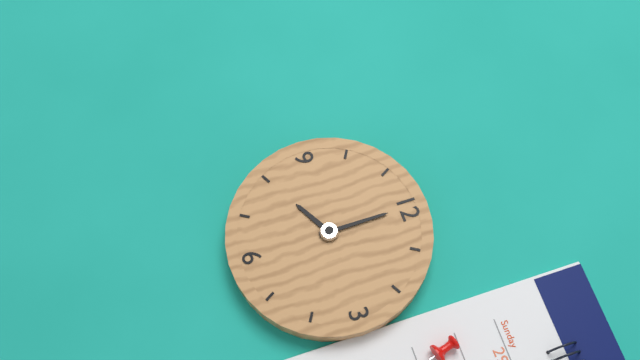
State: 8h00
